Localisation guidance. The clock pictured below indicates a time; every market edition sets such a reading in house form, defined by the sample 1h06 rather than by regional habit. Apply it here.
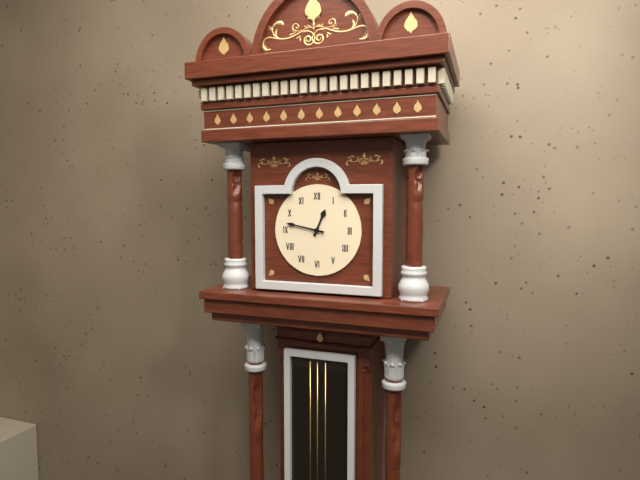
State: 12h47
